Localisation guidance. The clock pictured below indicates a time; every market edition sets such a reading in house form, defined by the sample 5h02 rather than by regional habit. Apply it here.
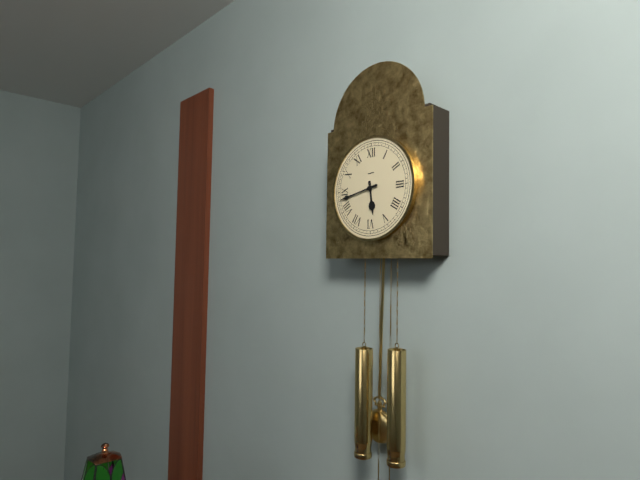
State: 5h43
